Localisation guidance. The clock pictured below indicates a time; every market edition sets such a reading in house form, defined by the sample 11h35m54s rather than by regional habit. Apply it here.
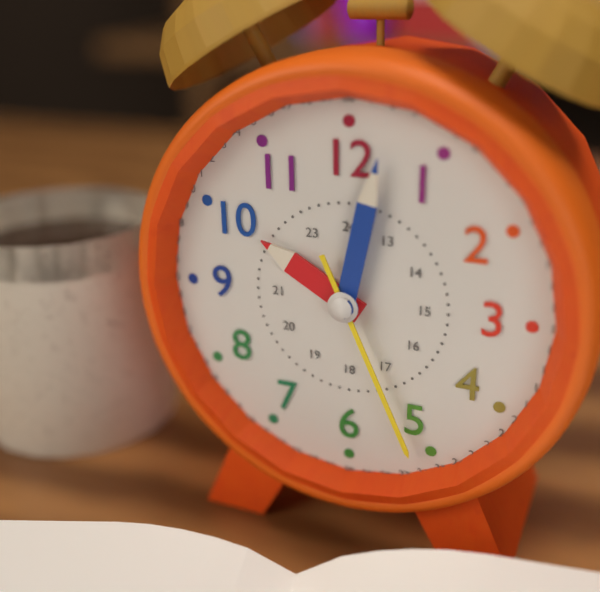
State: 10h02m26s
